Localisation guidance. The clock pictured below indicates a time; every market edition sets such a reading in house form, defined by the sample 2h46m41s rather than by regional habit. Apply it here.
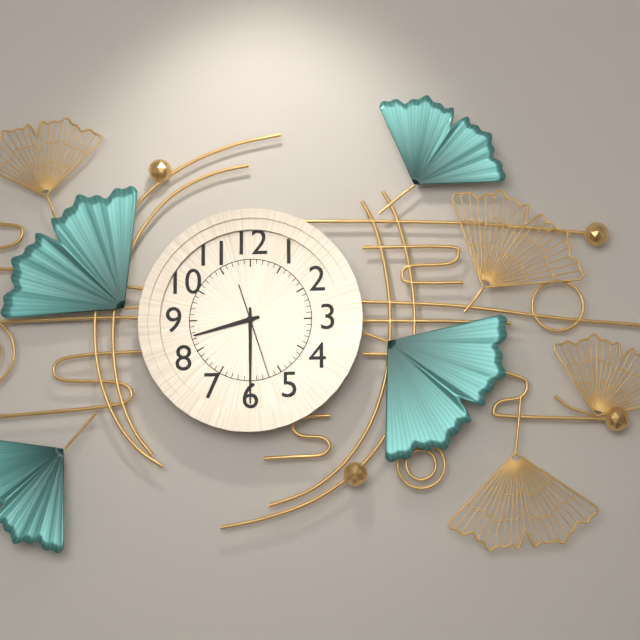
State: 8h30m27s
